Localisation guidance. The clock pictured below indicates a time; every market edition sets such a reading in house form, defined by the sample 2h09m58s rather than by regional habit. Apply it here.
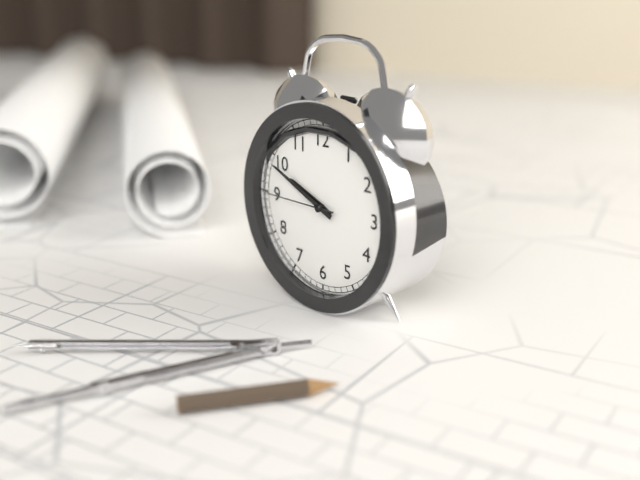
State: 9h49m45s
